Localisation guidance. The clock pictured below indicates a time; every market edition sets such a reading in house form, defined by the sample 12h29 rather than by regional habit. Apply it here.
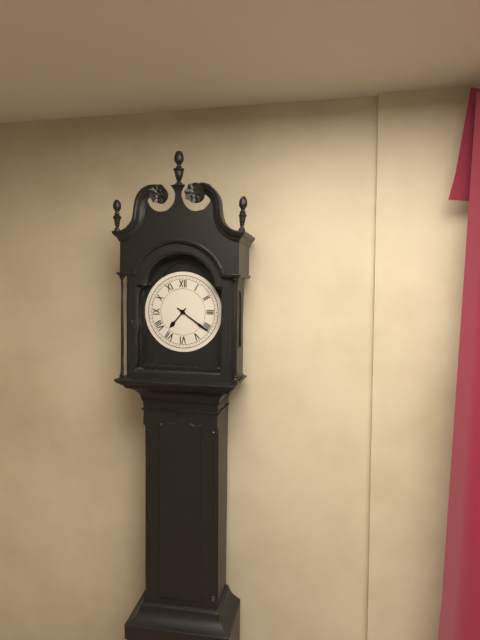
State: 7h21
